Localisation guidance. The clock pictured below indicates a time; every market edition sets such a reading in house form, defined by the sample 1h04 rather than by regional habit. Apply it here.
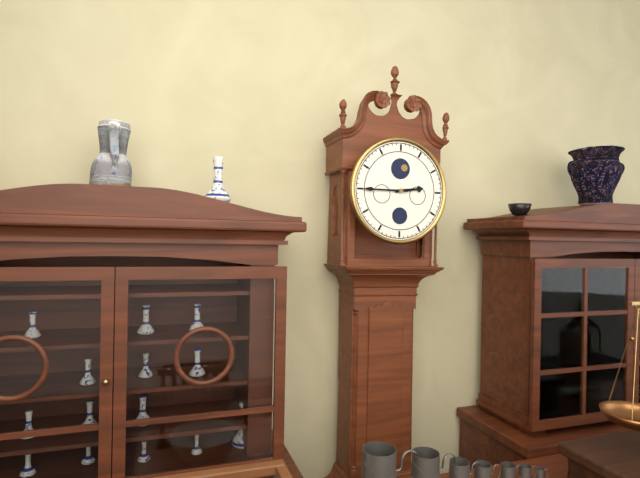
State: 2h45
